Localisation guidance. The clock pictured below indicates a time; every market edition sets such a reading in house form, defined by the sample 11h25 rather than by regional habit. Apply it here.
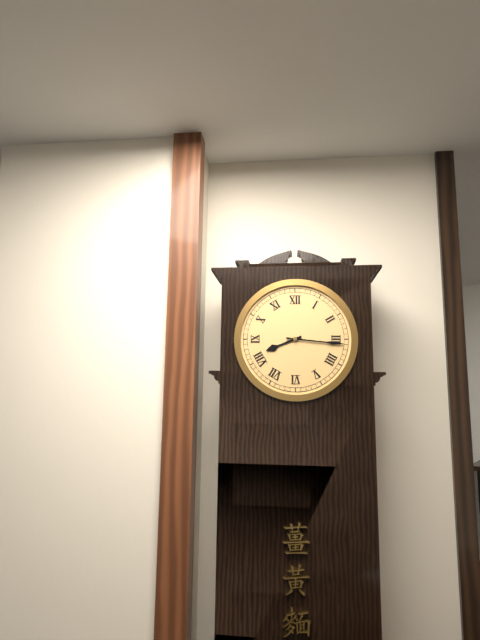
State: 8h16
